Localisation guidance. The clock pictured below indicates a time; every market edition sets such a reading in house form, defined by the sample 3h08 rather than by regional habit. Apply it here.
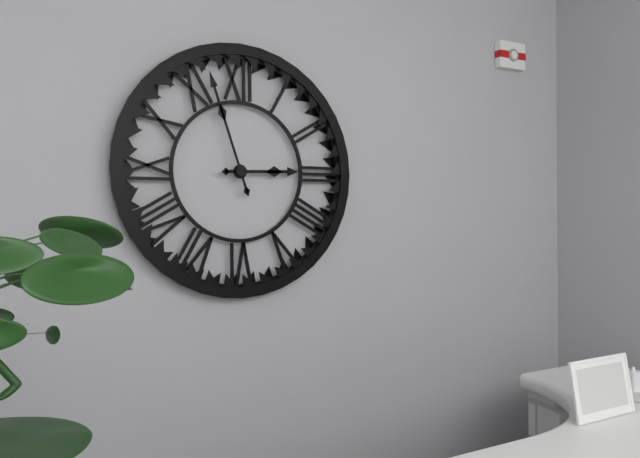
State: 2h57
